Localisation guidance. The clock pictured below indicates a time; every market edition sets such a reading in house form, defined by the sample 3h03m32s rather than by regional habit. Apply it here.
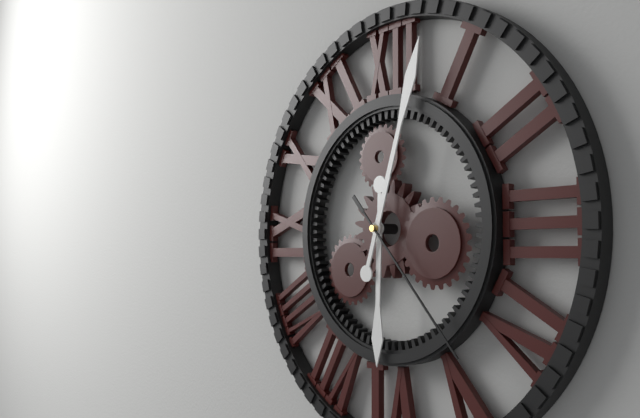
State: 6h03m23s
